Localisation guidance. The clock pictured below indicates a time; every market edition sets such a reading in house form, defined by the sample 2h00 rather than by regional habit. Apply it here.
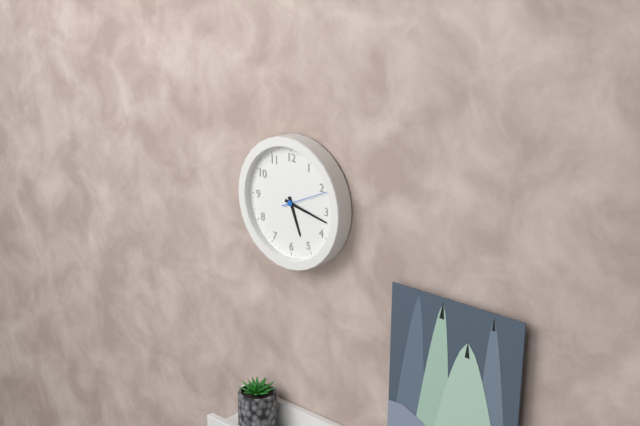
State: 5h17
